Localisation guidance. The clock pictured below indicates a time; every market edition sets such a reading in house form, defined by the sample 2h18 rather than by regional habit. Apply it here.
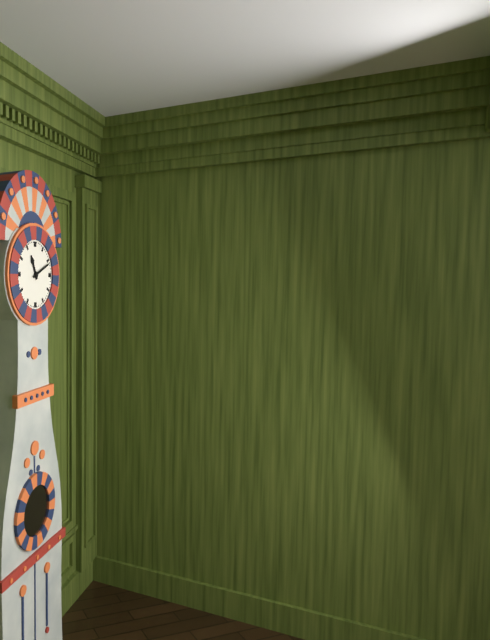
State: 11h11
